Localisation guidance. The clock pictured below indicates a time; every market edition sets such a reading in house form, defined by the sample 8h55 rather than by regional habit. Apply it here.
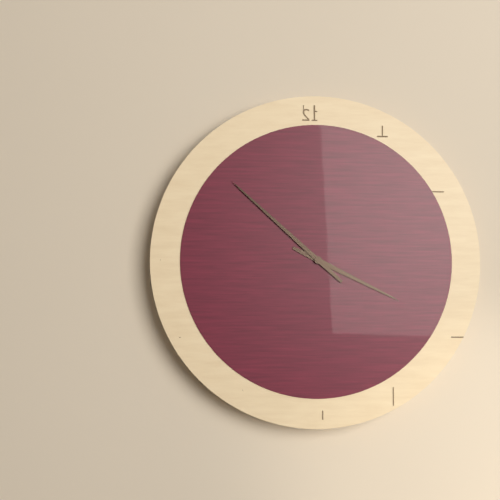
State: 3h52
